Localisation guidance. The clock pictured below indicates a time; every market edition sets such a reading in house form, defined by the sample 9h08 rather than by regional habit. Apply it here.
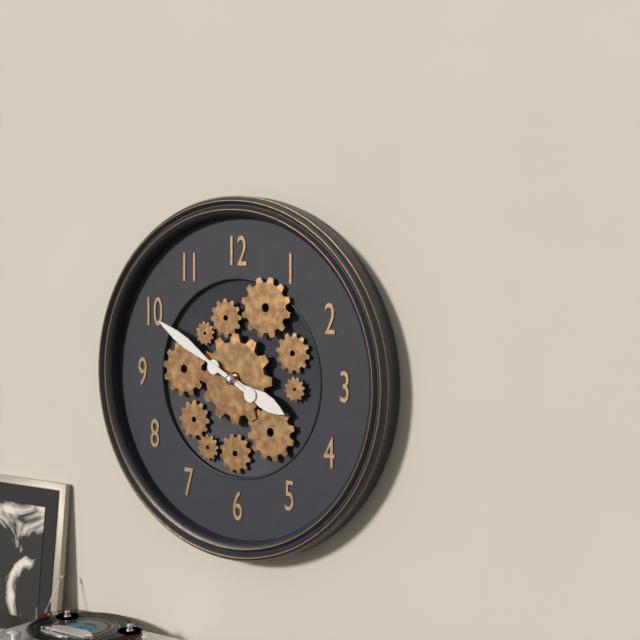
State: 3h50
